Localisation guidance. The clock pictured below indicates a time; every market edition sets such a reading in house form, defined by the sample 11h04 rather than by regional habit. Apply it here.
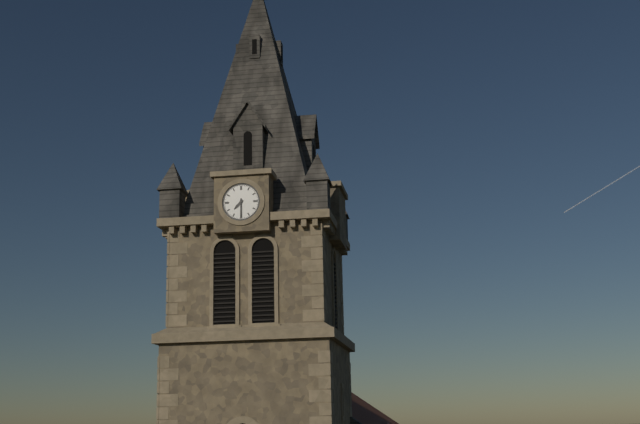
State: 7h30
